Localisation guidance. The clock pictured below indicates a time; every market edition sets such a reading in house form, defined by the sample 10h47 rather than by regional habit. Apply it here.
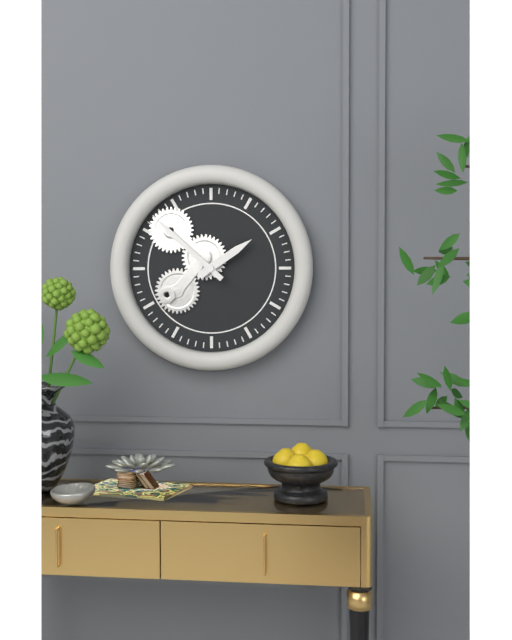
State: 1h52
